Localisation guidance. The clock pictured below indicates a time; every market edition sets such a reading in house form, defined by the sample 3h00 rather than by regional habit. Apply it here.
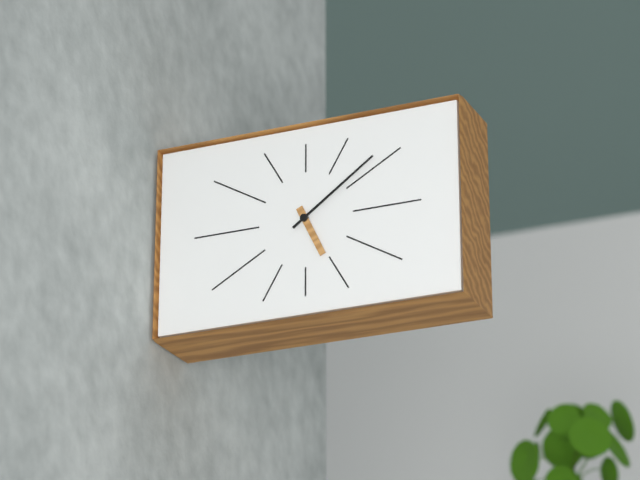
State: 5h09
